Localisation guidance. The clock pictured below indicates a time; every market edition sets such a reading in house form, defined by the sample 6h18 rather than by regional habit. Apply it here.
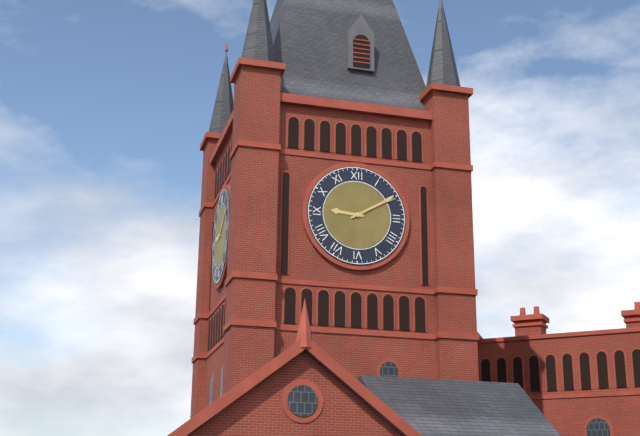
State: 9h10
